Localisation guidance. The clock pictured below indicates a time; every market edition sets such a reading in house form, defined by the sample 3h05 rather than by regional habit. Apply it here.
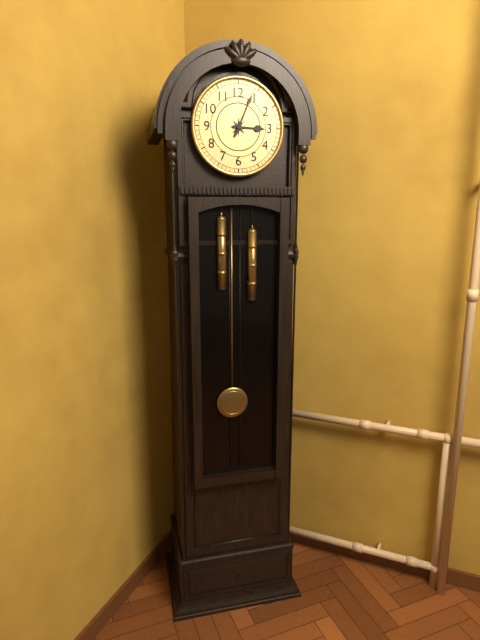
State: 3h04
